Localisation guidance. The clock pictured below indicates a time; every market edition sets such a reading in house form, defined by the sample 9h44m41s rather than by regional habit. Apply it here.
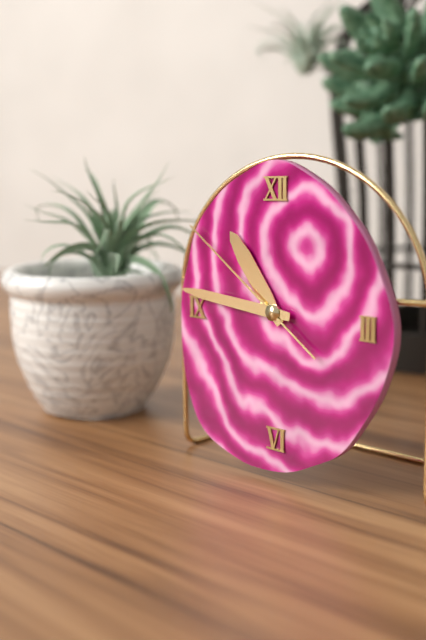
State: 10h46m51s
